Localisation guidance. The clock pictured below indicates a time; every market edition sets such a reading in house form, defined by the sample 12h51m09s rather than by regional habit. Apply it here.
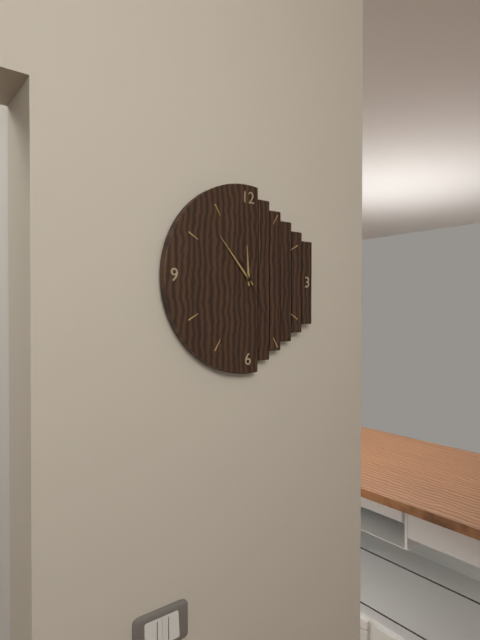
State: 11h53m25s
